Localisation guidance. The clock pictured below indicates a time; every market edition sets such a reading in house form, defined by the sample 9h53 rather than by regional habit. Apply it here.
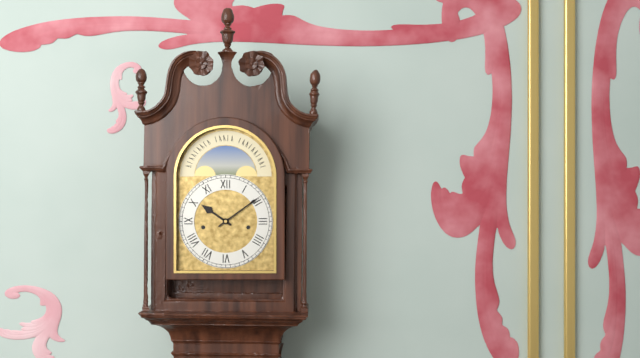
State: 10h09
